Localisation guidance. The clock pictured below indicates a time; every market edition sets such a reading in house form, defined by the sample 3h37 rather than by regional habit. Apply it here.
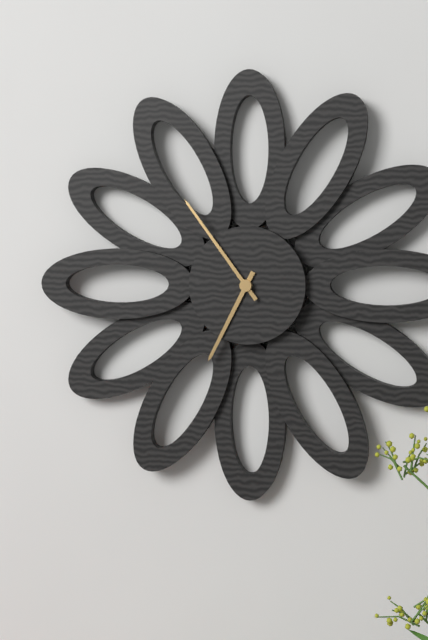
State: 6h54
